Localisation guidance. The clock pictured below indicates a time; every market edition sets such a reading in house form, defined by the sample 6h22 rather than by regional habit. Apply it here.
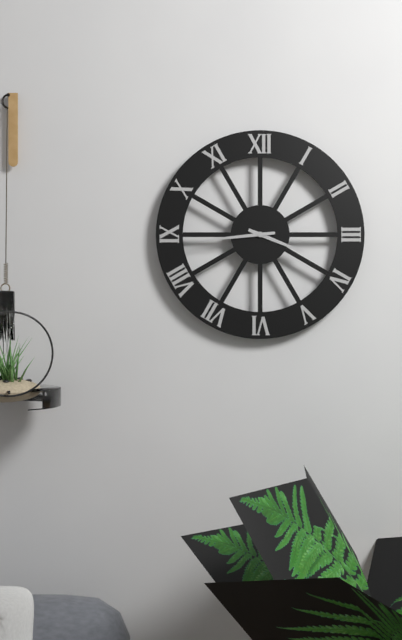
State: 3h44
